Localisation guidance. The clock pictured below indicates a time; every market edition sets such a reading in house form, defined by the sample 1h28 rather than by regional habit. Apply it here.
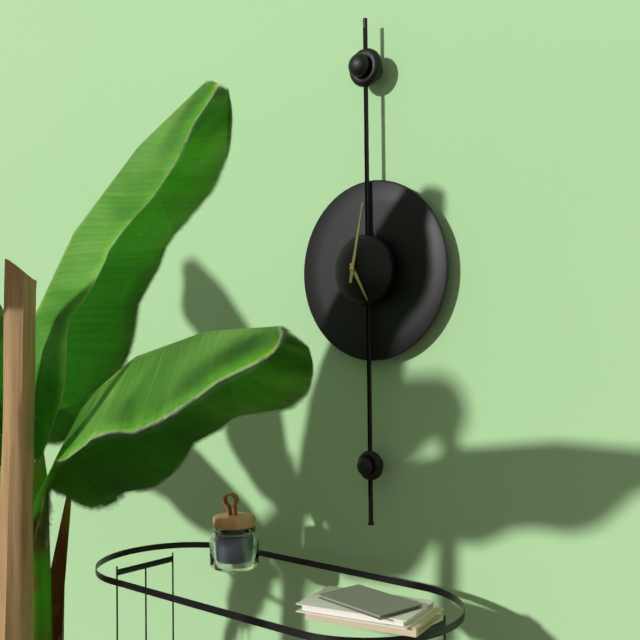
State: 5h02
